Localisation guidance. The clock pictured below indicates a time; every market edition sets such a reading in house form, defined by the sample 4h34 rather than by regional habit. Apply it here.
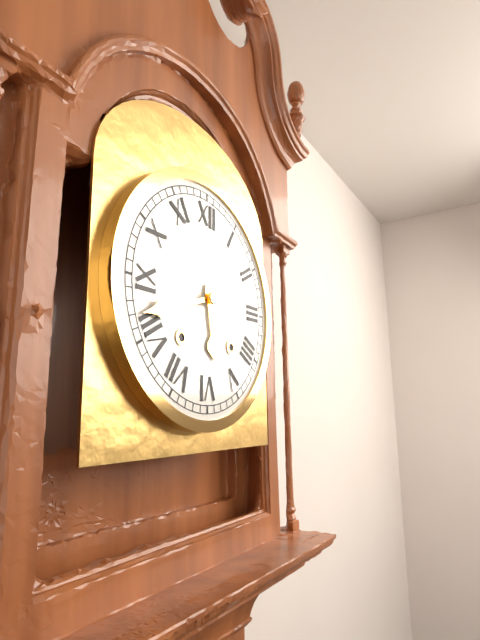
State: 5h42
